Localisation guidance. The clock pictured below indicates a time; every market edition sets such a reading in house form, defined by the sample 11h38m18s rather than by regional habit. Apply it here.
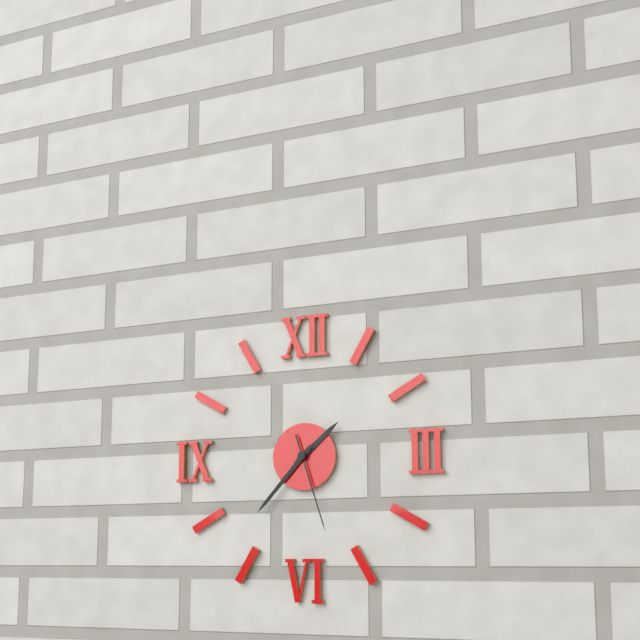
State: 1h37m27s
